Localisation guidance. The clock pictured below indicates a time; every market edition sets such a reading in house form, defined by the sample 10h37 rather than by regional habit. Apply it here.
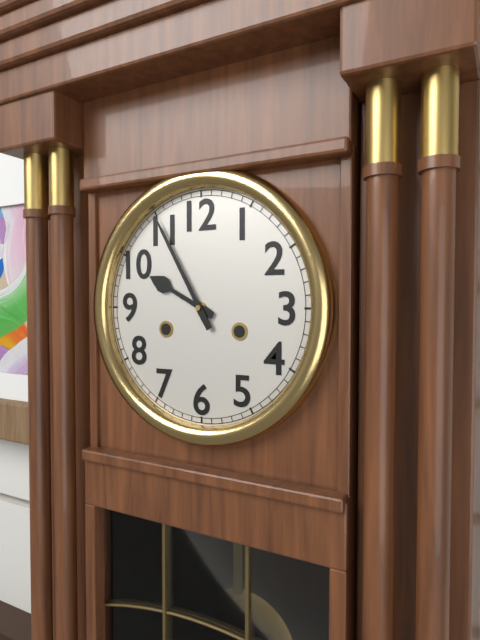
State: 9h55
